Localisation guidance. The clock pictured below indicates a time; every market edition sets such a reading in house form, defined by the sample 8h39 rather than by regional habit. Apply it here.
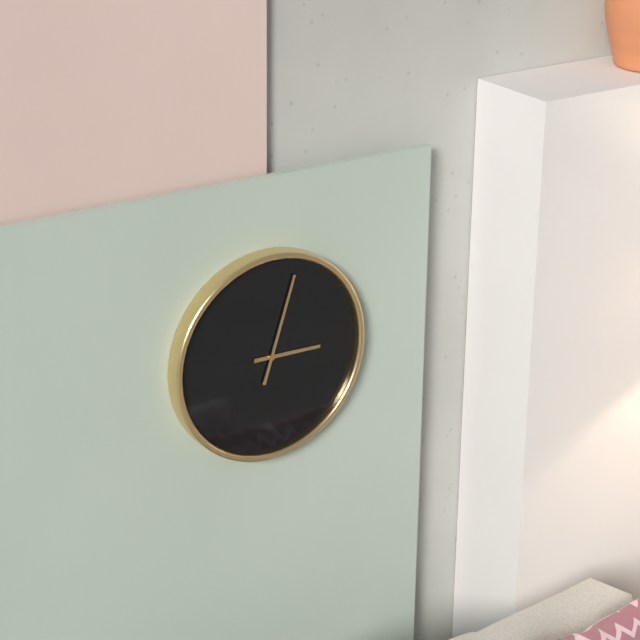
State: 3h03
